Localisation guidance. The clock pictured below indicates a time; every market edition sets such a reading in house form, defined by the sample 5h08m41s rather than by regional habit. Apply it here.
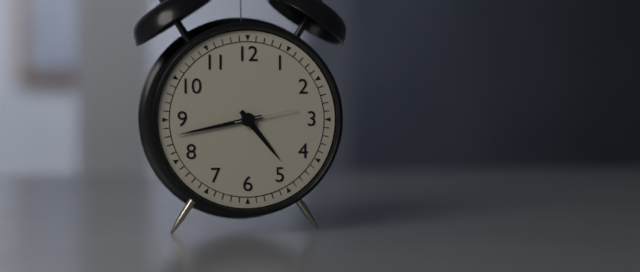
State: 4h43m13s
